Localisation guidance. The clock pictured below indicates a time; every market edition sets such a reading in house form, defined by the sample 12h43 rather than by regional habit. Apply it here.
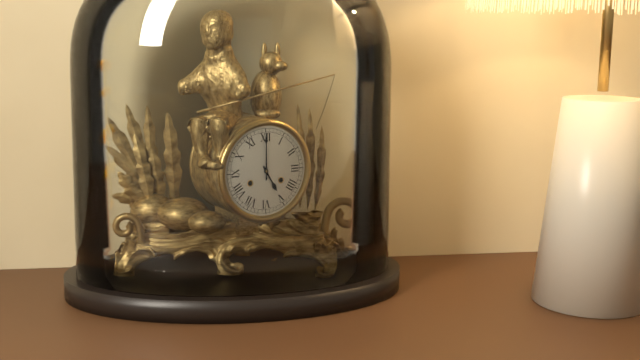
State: 5h00
